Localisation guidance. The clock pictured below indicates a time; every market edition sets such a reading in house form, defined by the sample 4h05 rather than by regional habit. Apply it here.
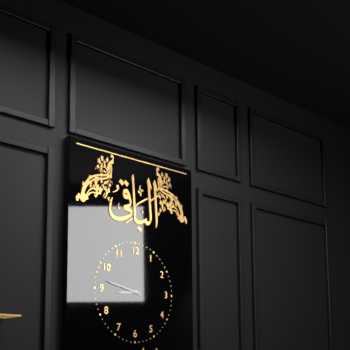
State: 8h47
